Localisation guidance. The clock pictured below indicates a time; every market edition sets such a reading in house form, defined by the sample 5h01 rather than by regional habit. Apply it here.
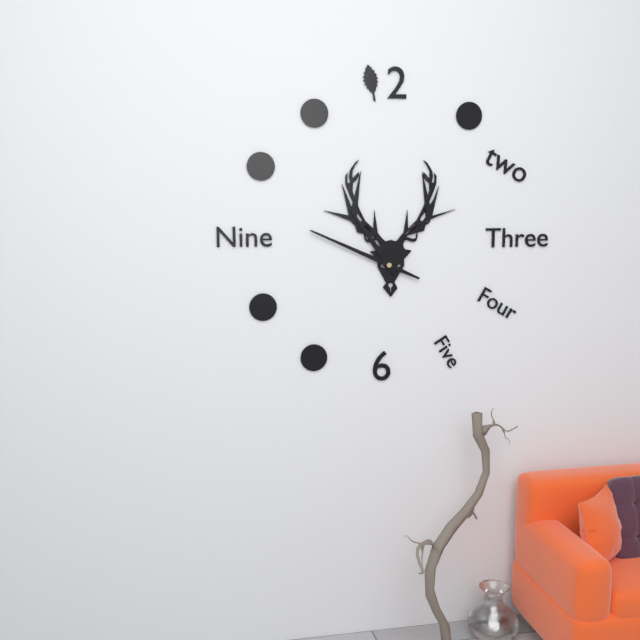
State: 10h49
